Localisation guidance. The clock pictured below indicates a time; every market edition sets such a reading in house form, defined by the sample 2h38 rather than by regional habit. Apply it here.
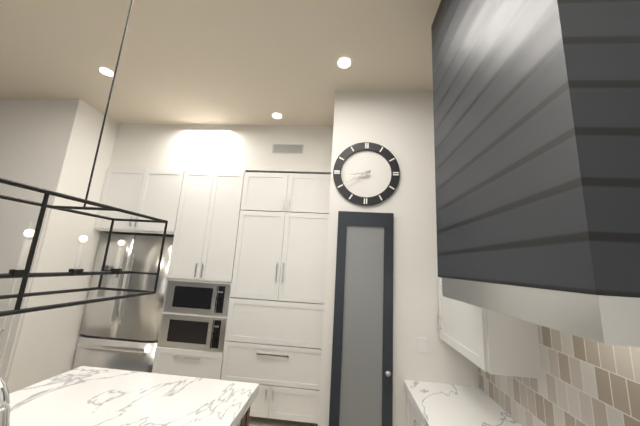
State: 8h40
